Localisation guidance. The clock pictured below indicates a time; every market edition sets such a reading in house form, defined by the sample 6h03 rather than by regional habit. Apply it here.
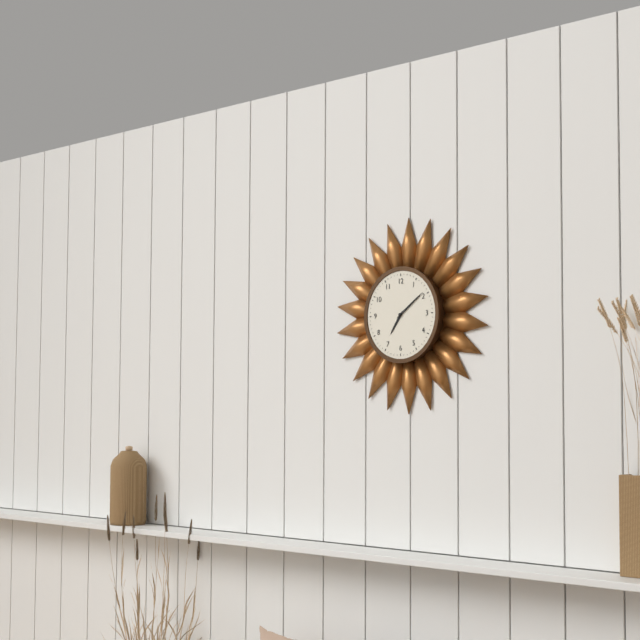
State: 7h09
